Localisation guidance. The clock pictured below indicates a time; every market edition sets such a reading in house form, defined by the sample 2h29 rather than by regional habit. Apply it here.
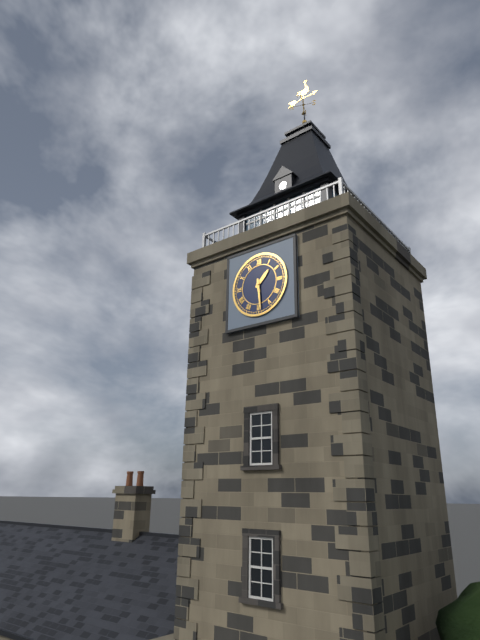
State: 1h29
